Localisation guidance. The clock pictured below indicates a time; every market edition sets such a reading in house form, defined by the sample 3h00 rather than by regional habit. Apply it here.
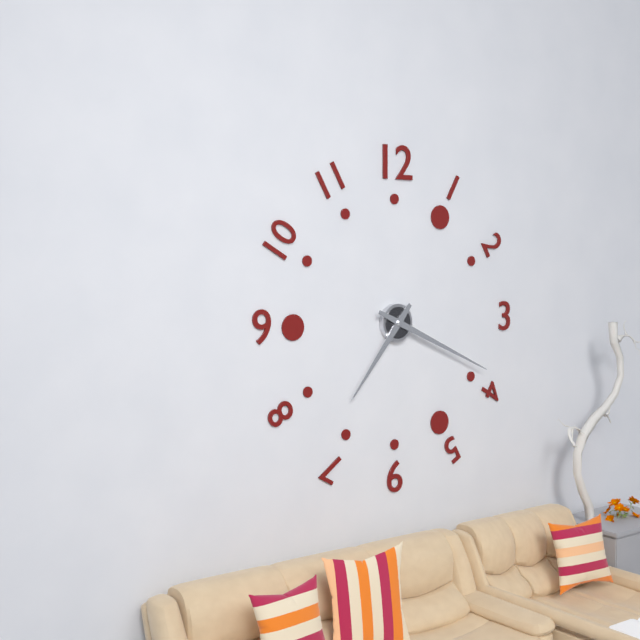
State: 7h19
